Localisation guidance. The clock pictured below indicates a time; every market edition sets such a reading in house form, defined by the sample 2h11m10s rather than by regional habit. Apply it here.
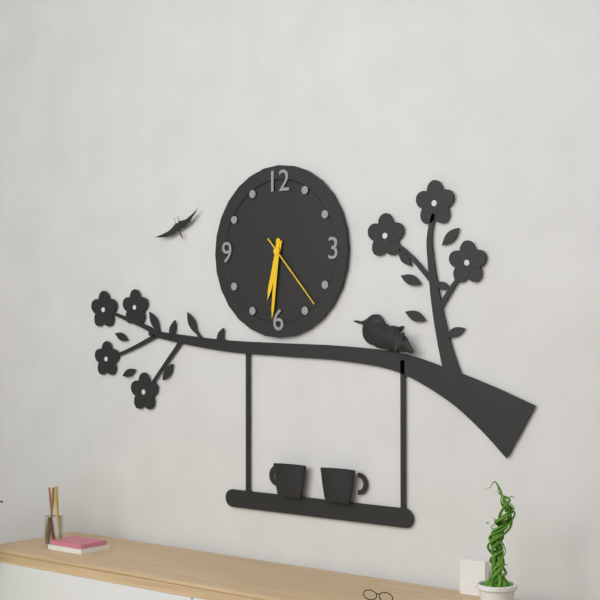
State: 6h31m23s
